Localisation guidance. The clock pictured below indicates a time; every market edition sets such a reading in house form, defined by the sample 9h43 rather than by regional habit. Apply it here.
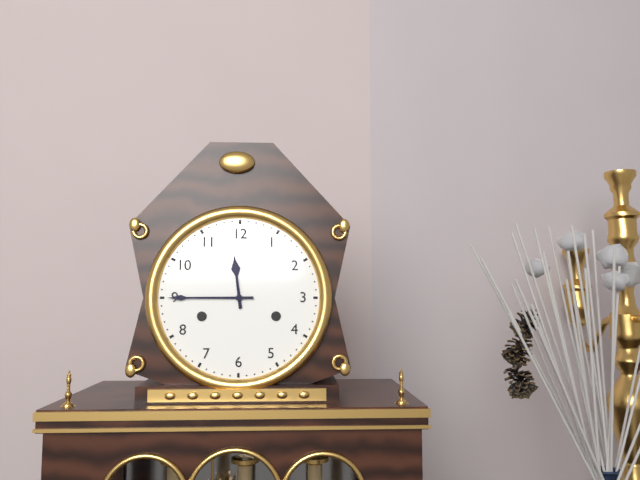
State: 11h45
